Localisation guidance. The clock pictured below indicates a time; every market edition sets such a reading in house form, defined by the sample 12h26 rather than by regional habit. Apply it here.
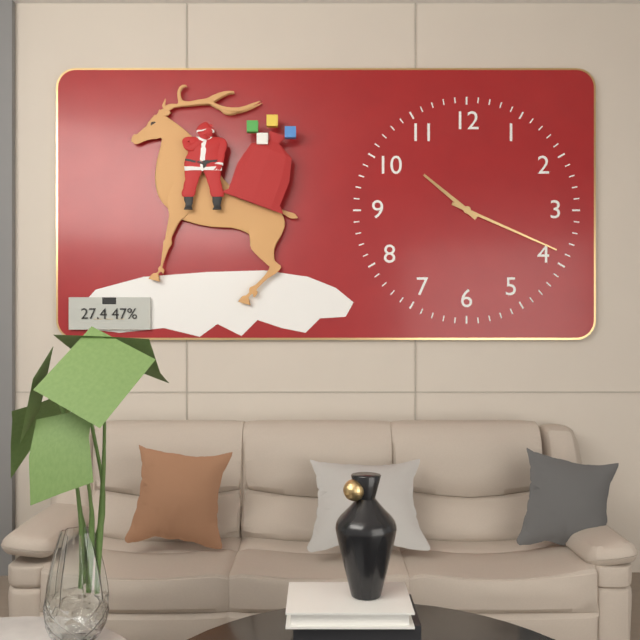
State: 10h19
